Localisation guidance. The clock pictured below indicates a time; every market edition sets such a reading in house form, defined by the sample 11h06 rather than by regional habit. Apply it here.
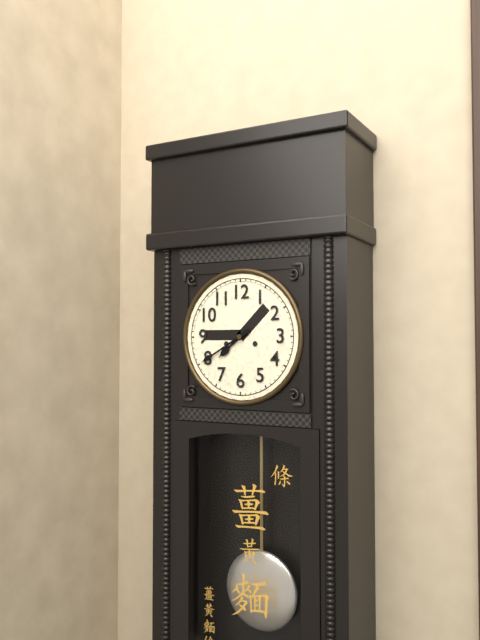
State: 7h40
